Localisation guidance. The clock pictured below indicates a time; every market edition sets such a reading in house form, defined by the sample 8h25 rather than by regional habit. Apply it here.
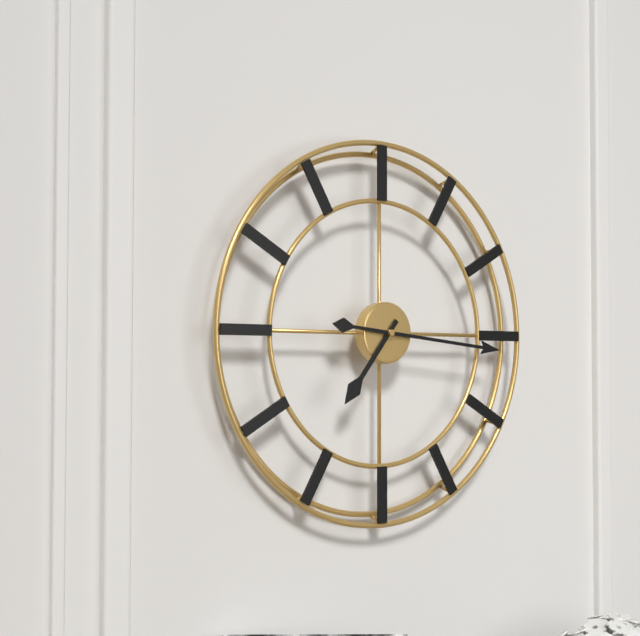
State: 7h16
